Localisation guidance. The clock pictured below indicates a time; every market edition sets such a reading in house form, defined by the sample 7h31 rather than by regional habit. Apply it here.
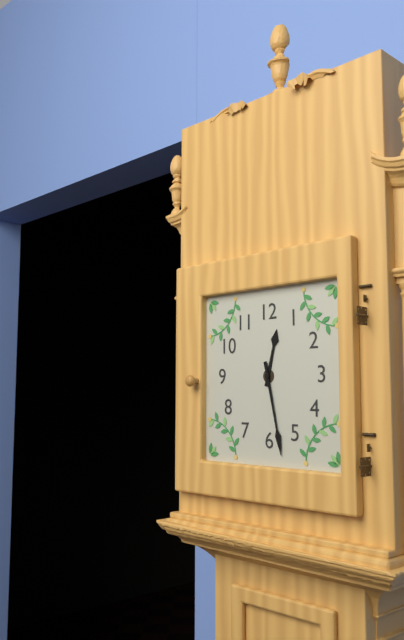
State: 12h28
